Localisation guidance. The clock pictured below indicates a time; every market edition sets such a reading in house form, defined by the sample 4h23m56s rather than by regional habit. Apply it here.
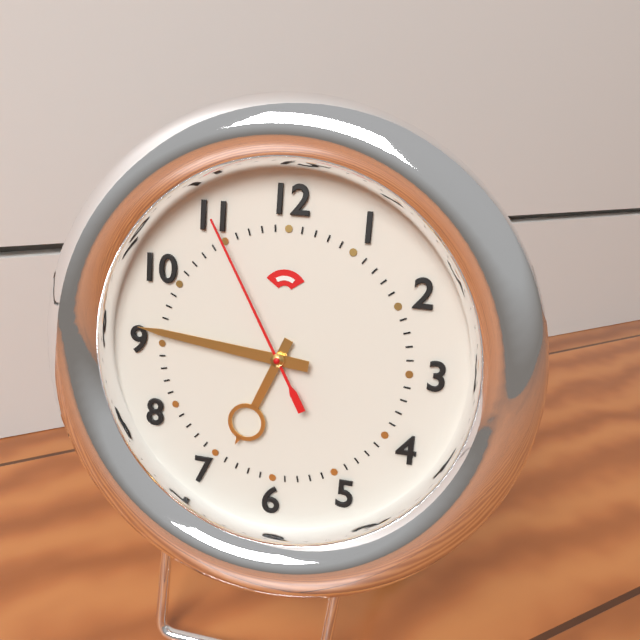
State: 6h46m55s
